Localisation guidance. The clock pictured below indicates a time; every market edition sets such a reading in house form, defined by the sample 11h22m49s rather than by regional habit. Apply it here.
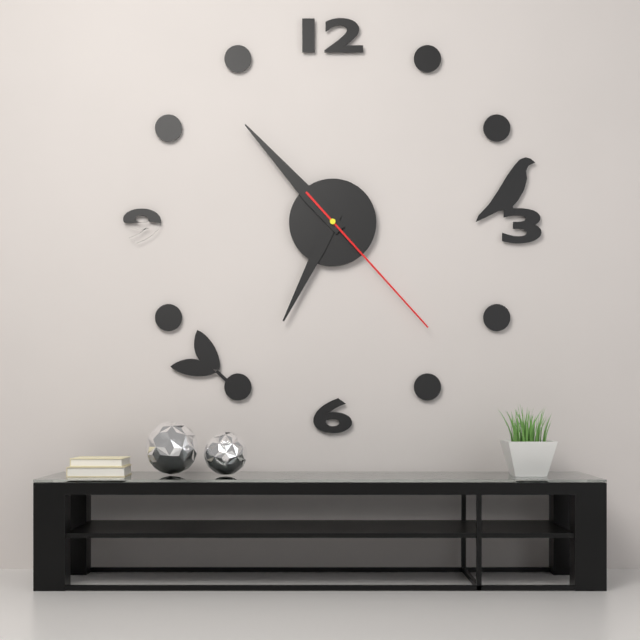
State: 6h53m23s
